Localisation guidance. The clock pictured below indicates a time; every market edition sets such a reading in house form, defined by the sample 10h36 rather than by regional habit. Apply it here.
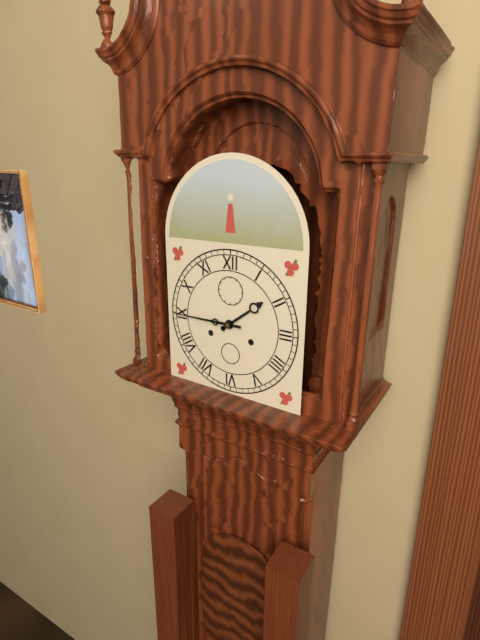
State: 1h45
